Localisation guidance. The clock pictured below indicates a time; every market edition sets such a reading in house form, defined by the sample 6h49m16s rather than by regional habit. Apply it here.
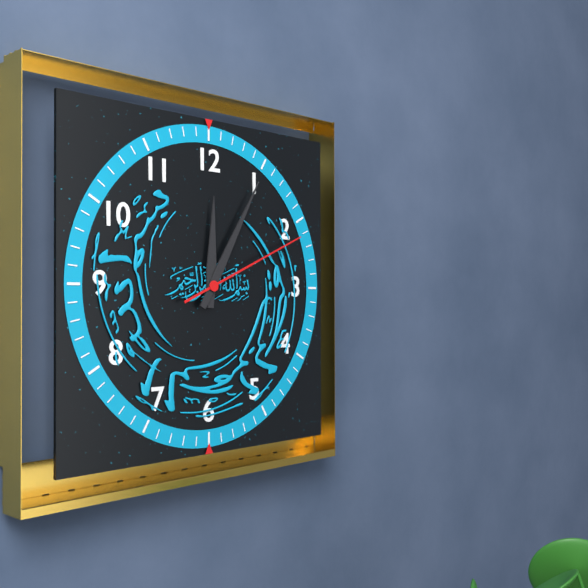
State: 12h05m11s
